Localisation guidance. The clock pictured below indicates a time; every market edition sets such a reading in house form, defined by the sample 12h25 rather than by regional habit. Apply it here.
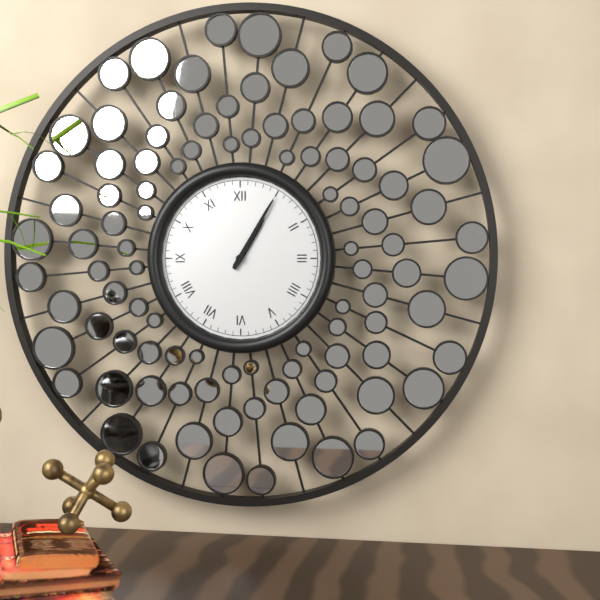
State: 1h05
